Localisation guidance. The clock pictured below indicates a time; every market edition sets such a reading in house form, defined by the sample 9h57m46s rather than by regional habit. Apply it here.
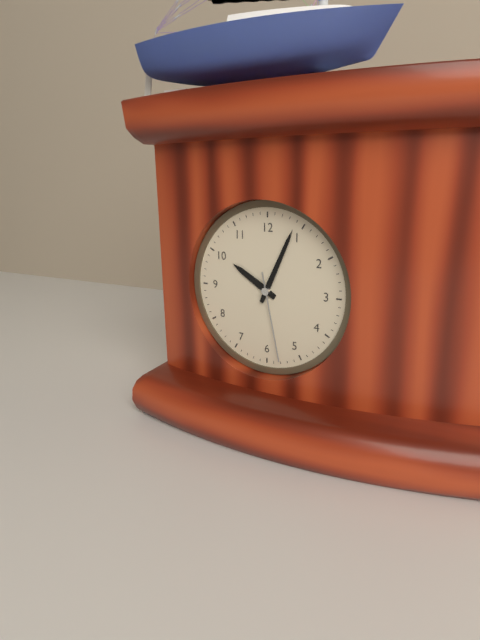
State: 10h04m28s
